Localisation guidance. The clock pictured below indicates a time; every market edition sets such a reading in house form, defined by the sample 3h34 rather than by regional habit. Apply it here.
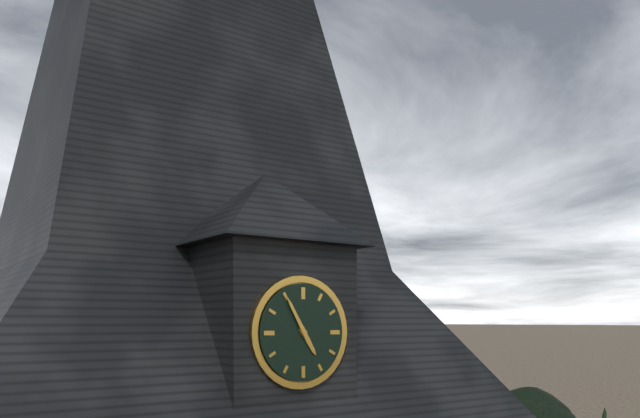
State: 4h55
